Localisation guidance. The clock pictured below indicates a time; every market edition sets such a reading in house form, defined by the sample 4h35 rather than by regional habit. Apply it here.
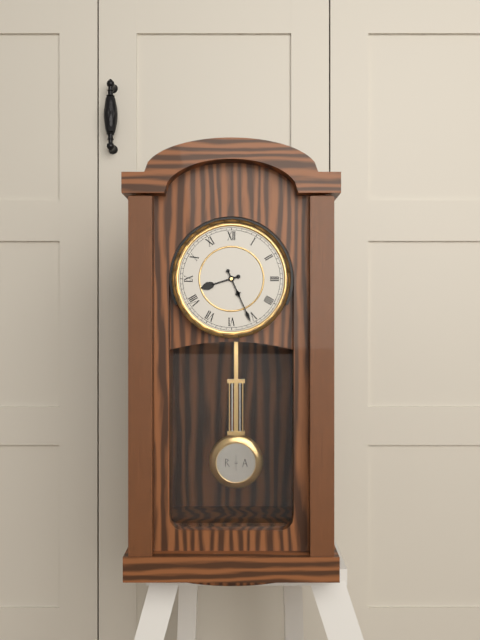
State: 8h26
